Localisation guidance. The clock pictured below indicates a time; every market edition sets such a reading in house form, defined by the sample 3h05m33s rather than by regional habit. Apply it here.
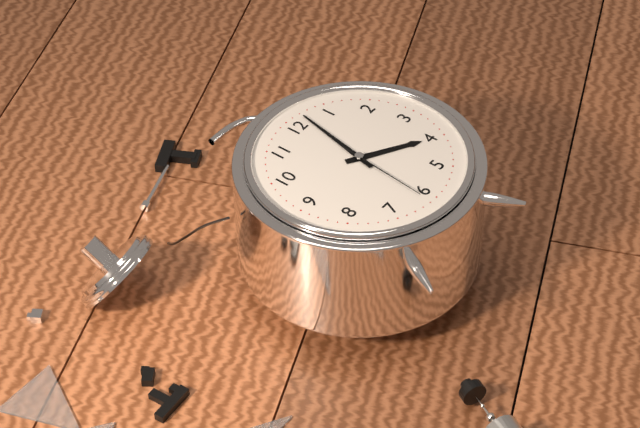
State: 4h02m31s
